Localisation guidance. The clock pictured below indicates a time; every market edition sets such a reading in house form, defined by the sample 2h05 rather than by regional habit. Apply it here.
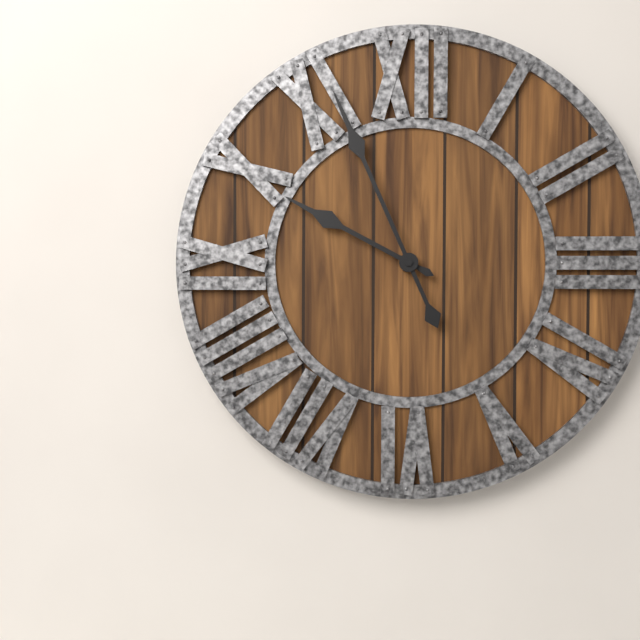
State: 9h56
